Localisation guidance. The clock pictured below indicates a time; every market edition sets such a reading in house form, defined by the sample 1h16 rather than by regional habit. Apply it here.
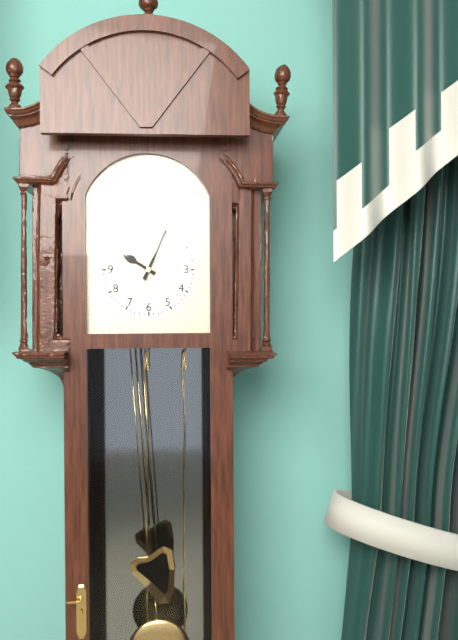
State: 10h04
